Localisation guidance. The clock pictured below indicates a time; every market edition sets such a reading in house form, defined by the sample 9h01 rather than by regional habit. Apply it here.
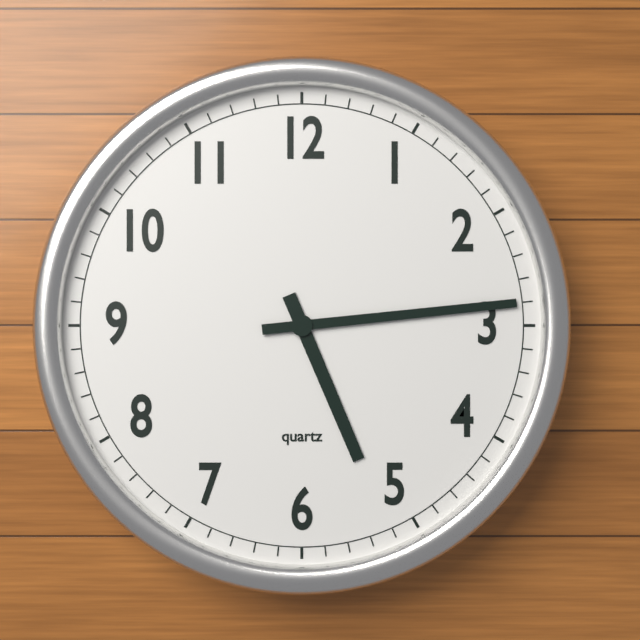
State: 5h14
